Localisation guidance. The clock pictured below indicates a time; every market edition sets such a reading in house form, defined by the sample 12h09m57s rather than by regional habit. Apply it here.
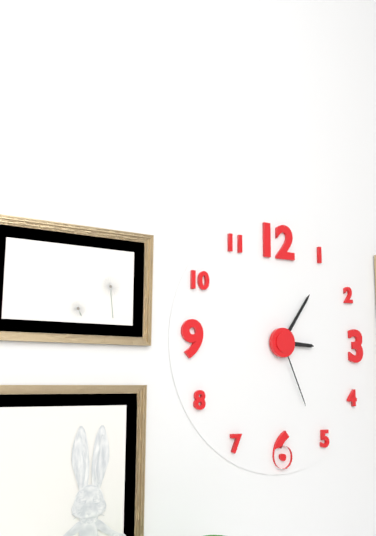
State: 3h06m26s
